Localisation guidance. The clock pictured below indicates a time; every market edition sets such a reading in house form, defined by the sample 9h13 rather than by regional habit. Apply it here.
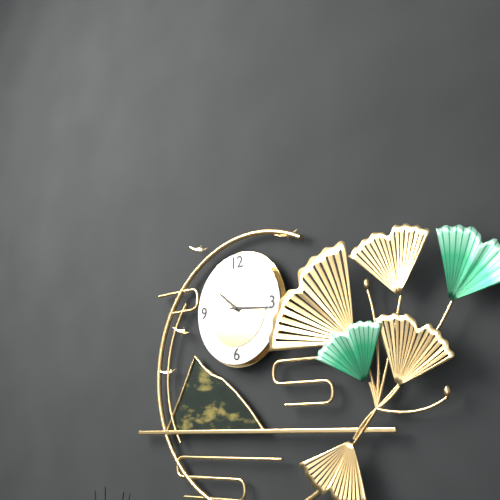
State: 10h16
